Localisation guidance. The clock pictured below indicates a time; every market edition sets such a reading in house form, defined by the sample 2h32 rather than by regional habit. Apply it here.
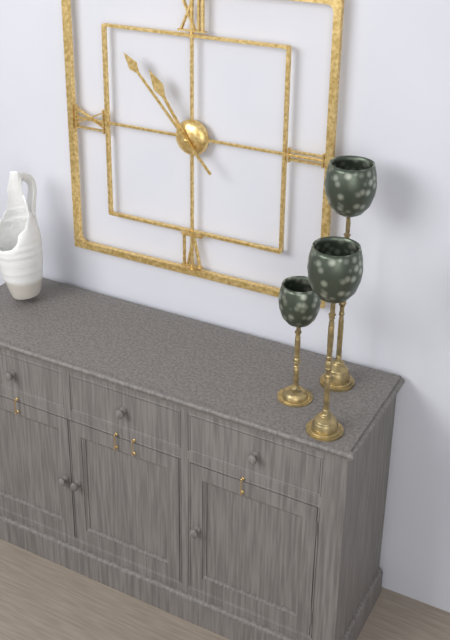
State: 10h53
